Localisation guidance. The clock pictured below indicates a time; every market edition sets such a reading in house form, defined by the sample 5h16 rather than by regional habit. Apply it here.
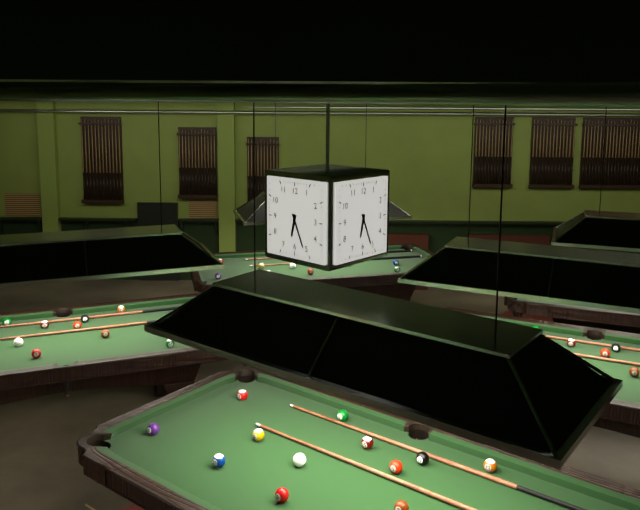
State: 6h26
